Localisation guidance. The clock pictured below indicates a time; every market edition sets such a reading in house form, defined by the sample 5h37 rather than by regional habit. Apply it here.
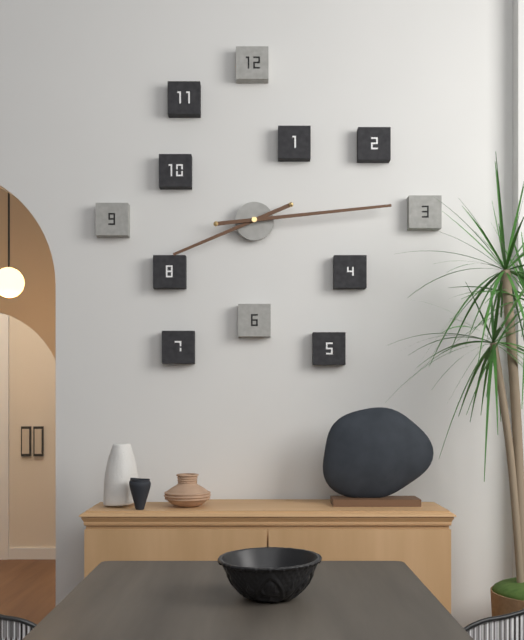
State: 8h14
